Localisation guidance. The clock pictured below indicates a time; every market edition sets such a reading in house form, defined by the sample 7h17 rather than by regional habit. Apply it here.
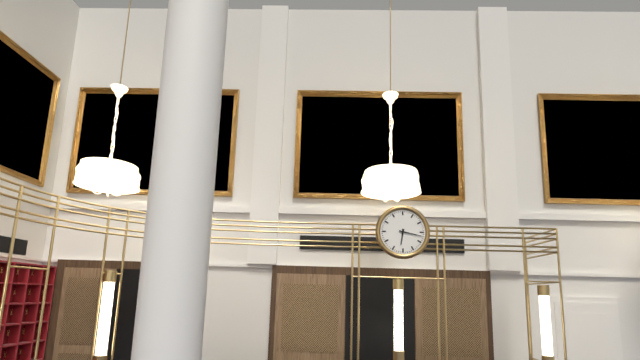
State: 6h17
